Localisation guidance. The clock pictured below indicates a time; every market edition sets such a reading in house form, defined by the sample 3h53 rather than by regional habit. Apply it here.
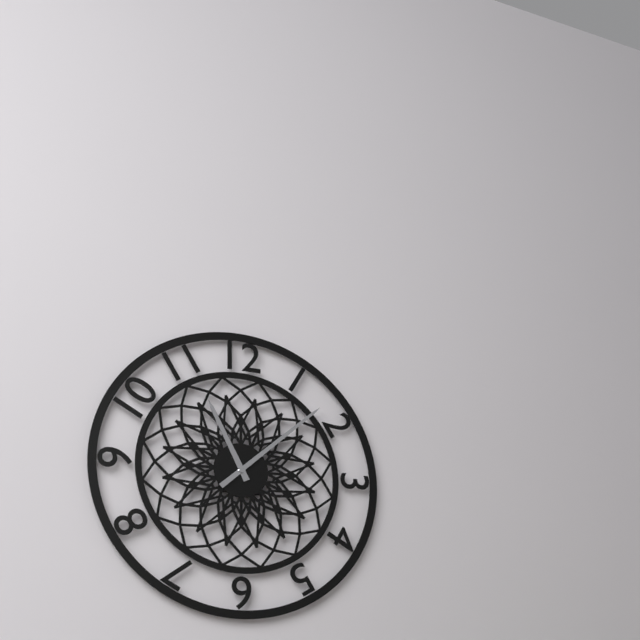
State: 11h08
